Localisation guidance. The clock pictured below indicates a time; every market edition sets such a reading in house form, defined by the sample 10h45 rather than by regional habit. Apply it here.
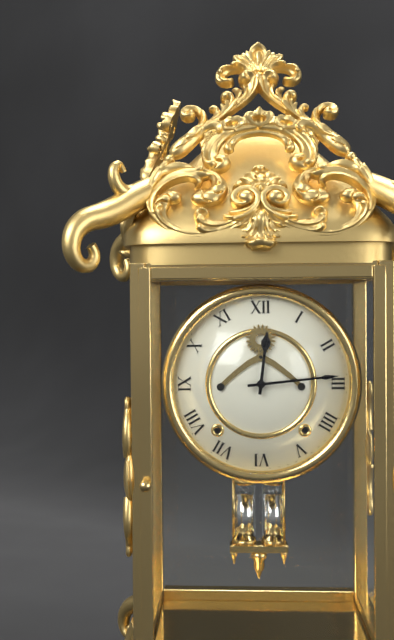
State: 12h14
